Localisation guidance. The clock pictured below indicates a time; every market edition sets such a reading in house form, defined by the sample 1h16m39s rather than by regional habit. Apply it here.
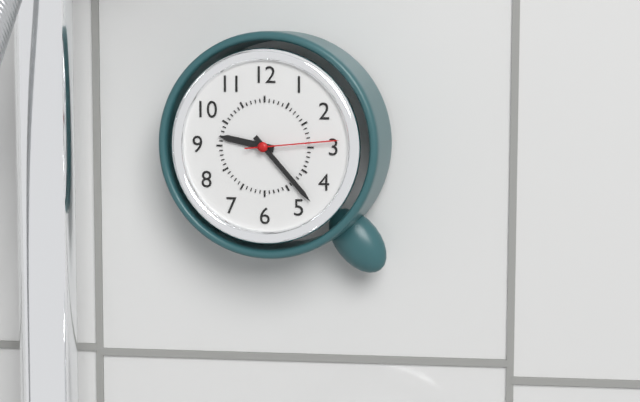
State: 9h23m14s
